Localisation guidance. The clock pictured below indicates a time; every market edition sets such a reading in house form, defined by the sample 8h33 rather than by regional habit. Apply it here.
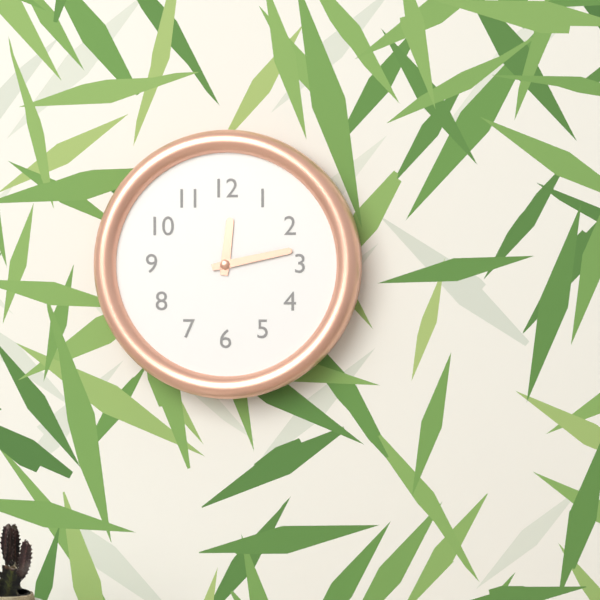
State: 12h13
